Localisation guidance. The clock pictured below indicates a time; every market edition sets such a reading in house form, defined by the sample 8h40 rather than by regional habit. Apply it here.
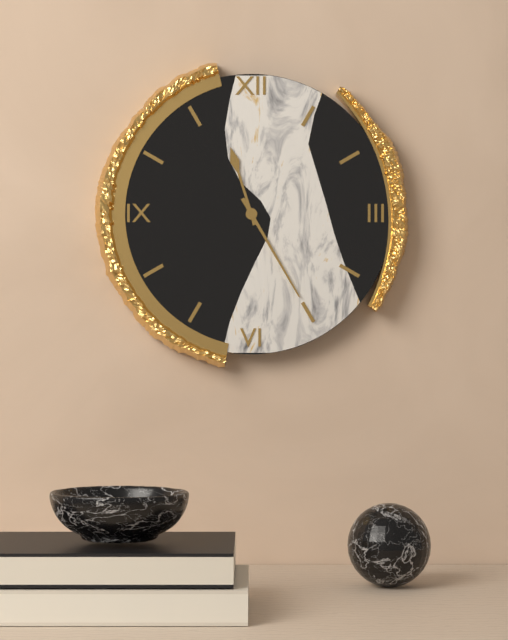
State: 11h25
